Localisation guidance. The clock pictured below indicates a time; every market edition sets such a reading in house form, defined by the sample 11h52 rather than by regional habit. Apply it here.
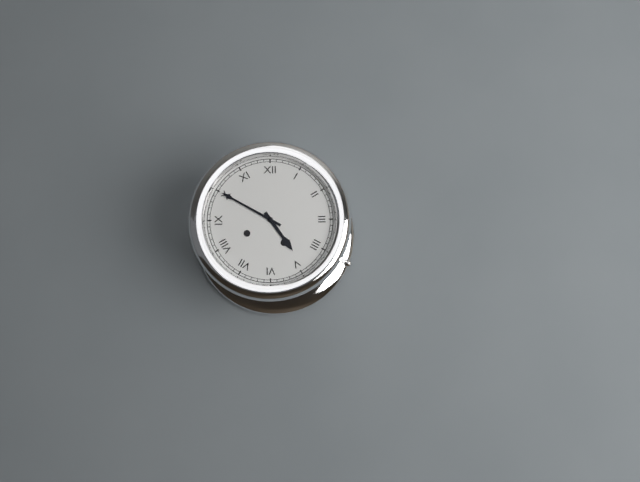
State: 4h50
